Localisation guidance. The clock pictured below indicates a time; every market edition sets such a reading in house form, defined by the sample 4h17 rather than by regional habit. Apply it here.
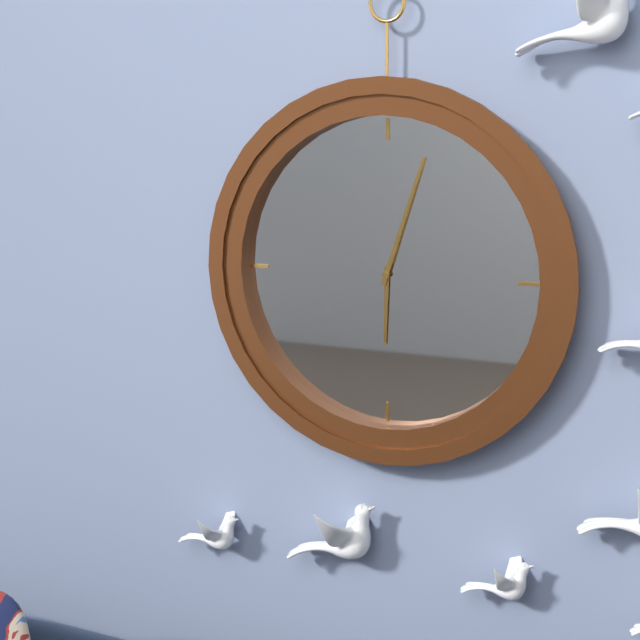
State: 6h03
